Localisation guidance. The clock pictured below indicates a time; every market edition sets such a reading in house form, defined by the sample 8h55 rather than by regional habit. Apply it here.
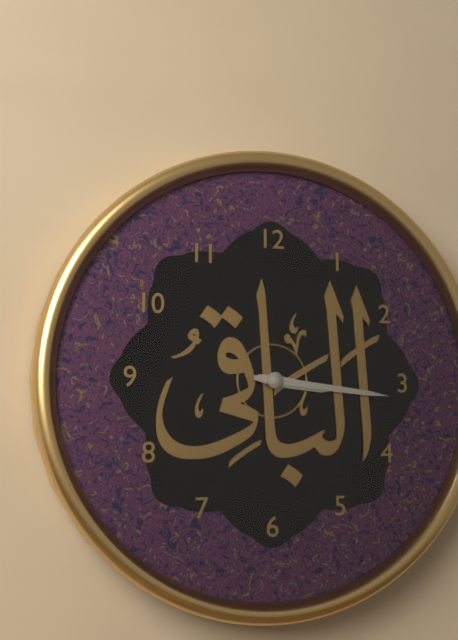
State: 3h16
